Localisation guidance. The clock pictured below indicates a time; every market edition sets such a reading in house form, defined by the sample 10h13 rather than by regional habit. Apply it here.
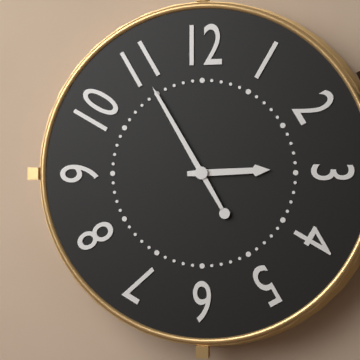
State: 2h55
